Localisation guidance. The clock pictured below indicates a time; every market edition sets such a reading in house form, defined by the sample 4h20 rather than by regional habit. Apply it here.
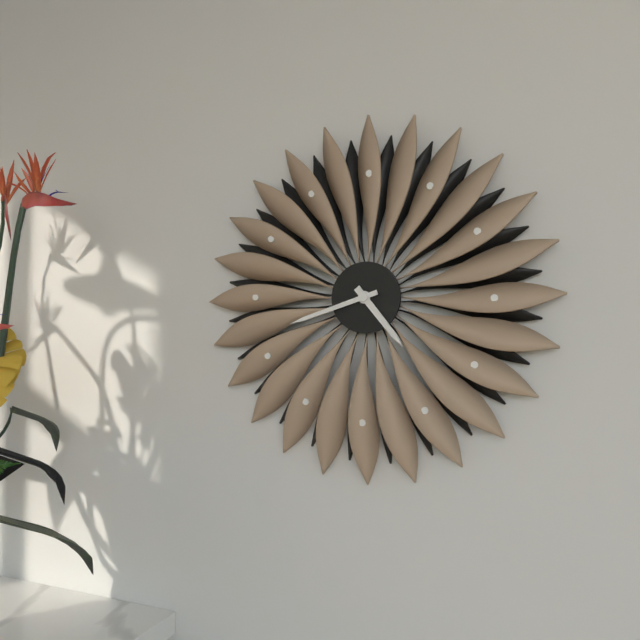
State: 4h42
